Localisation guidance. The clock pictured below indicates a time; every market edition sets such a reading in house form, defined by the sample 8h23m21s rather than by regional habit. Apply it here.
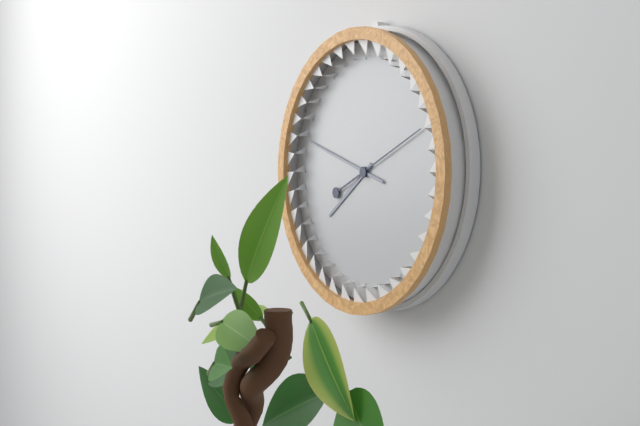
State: 7h48m11s
